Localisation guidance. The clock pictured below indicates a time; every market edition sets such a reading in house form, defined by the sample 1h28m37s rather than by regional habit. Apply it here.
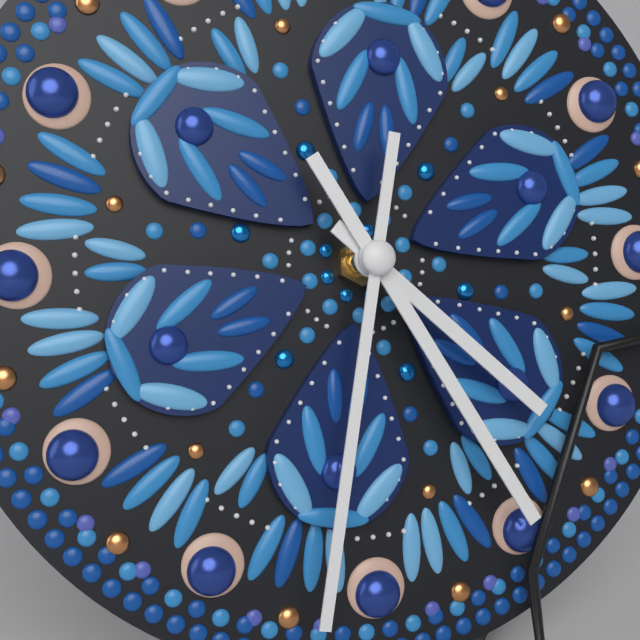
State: 4h25m32s
